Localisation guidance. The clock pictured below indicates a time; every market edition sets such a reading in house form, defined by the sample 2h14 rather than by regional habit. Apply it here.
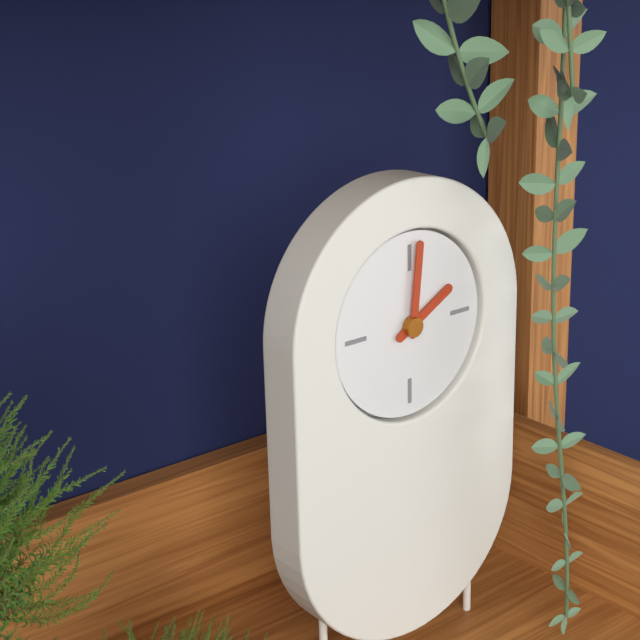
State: 2h01
